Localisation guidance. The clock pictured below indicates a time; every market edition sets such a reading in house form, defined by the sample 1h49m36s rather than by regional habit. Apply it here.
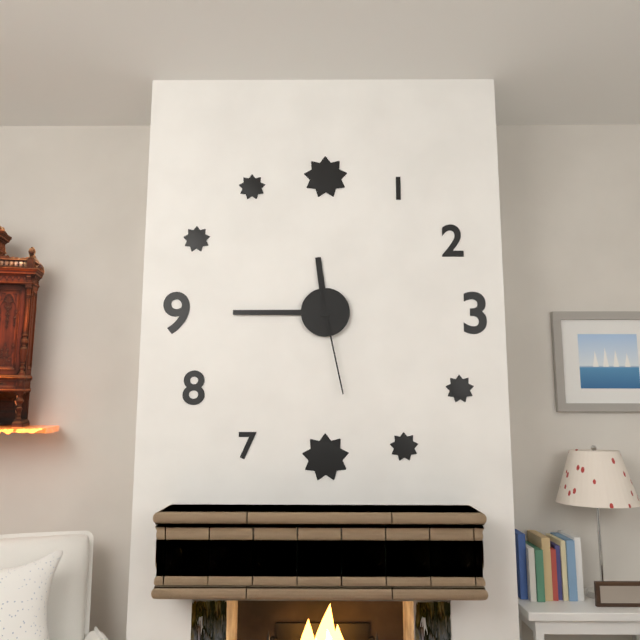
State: 11h45m28s
